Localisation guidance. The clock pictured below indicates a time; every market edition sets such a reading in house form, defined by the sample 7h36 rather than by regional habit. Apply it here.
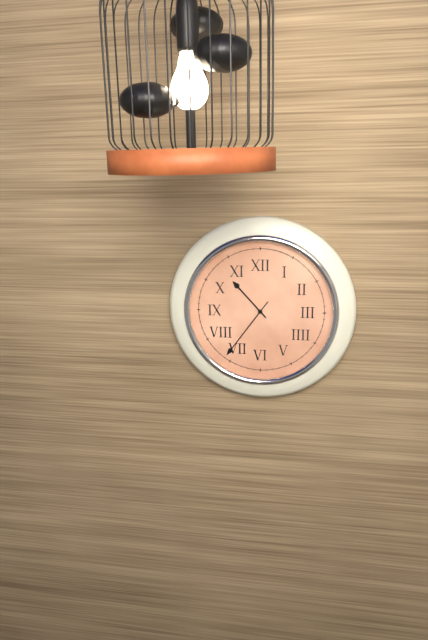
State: 10h36
